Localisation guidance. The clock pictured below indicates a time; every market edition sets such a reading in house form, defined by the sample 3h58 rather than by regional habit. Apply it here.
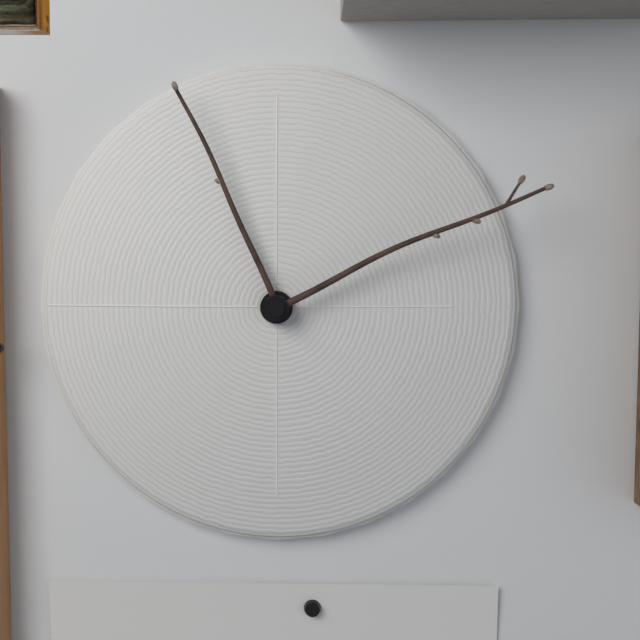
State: 11h11
